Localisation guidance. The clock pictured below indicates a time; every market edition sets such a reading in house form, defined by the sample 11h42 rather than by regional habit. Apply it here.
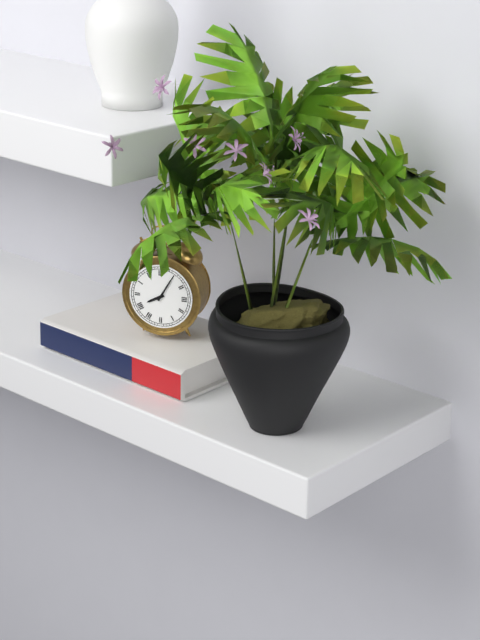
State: 8h05
